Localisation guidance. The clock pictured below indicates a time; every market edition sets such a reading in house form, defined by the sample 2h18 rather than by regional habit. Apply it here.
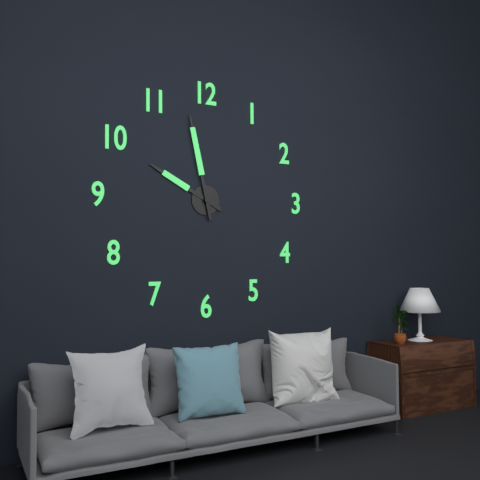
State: 9h58
